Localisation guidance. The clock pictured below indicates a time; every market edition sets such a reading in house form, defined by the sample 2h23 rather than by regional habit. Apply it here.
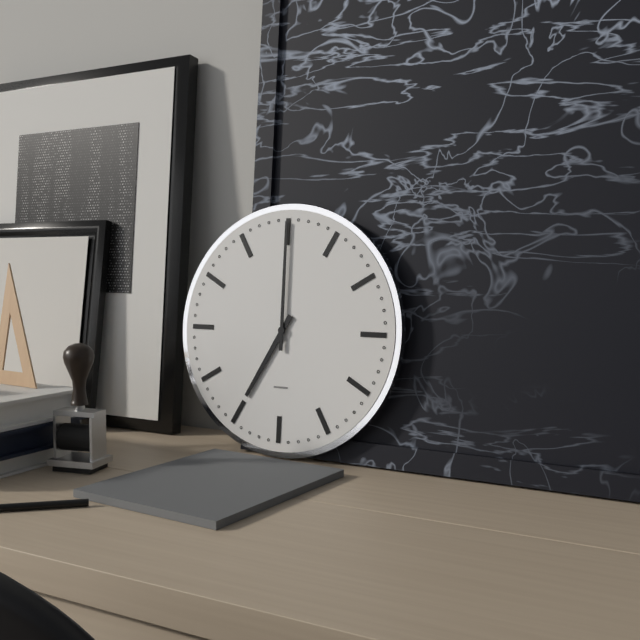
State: 7h00
